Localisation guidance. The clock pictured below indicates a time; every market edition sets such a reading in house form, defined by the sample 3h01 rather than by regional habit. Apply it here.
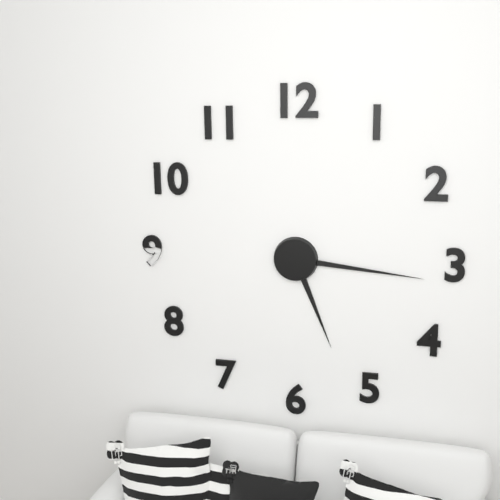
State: 5h16
